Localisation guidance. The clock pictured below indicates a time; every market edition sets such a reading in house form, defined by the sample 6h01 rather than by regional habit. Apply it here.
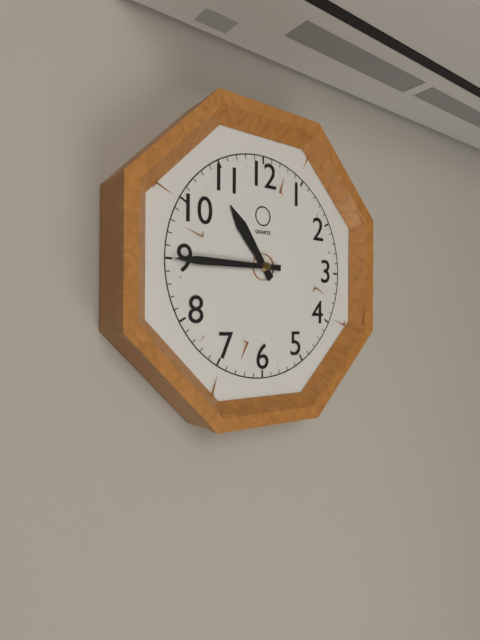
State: 10h45
